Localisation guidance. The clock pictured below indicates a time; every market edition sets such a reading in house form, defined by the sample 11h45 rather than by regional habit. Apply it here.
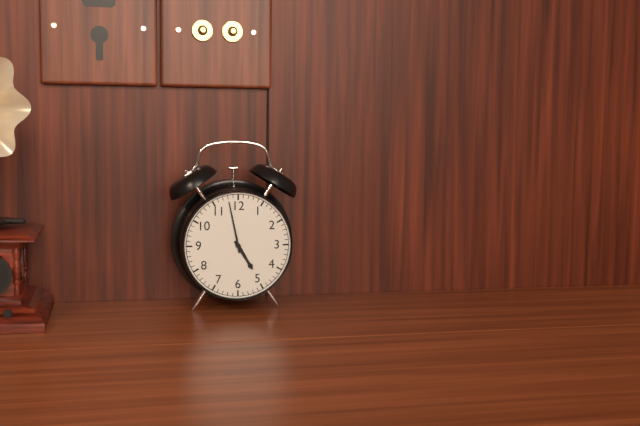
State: 4h58
